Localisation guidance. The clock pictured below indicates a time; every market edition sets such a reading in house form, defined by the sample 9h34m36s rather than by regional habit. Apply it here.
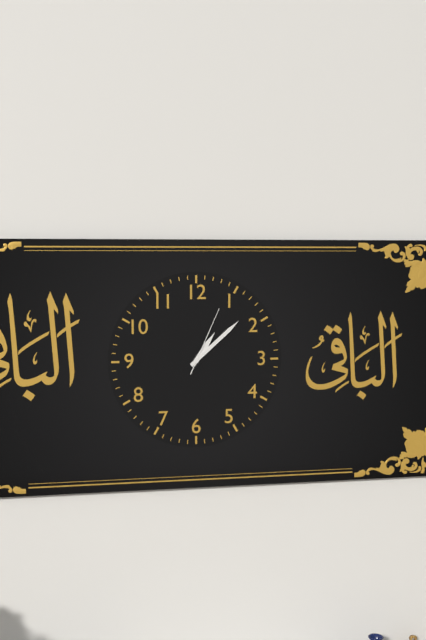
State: 1h08m04s
